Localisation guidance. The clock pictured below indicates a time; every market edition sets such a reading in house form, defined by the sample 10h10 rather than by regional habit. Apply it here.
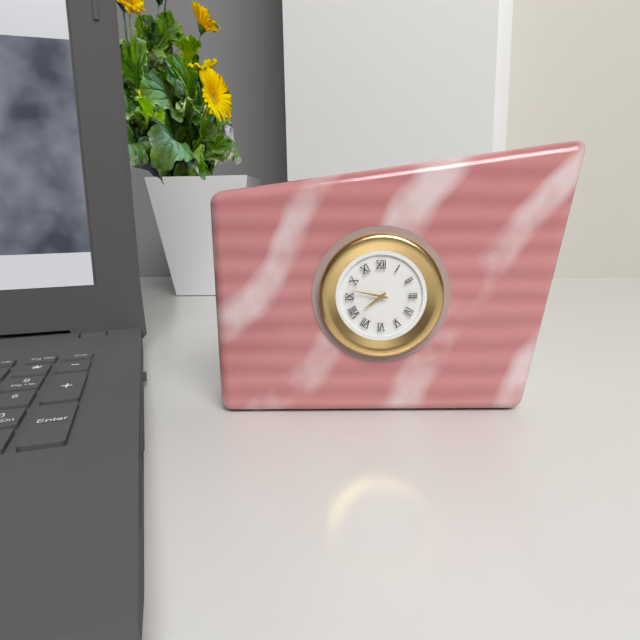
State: 7h47
